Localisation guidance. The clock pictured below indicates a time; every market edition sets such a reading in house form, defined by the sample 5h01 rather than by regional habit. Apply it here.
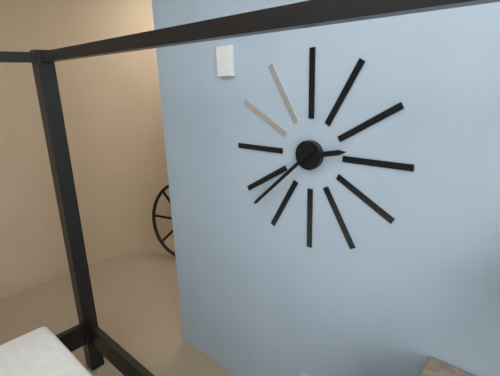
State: 2h38
